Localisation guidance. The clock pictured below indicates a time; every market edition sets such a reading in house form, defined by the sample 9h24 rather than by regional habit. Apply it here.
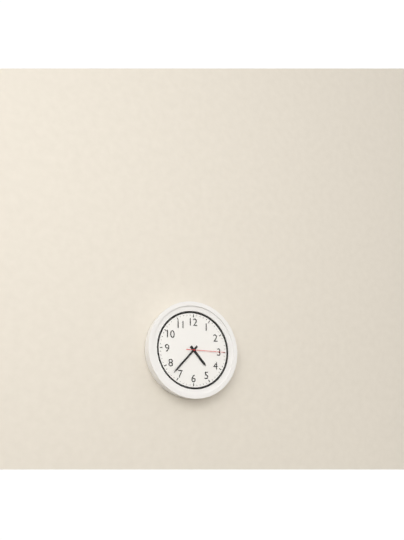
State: 4h37
